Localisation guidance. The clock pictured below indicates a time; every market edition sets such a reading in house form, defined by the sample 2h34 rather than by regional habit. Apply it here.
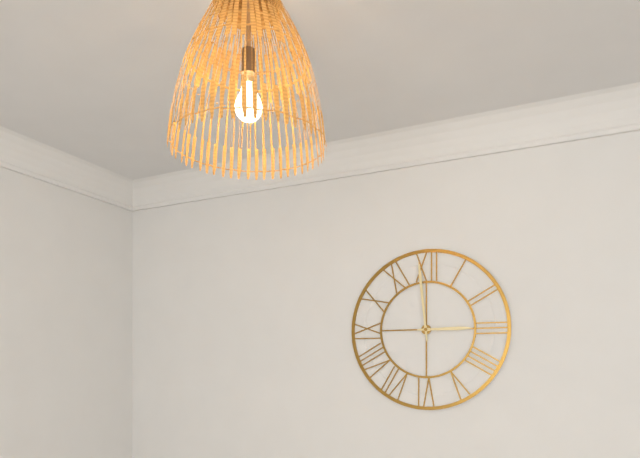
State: 2h59
